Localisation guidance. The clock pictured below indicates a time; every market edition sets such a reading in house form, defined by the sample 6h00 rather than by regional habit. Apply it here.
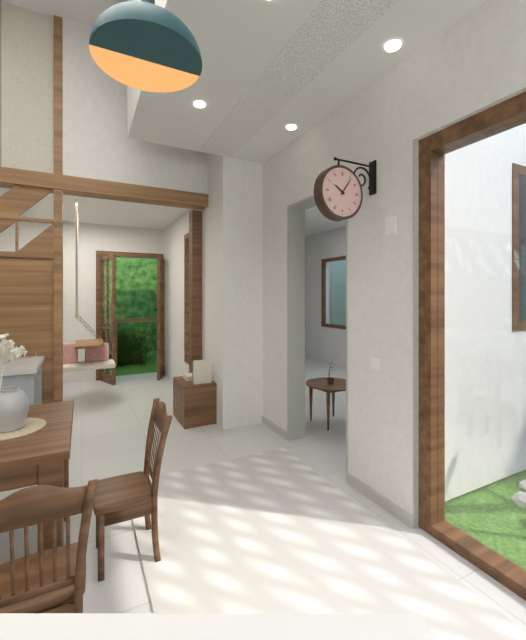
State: 10h06
